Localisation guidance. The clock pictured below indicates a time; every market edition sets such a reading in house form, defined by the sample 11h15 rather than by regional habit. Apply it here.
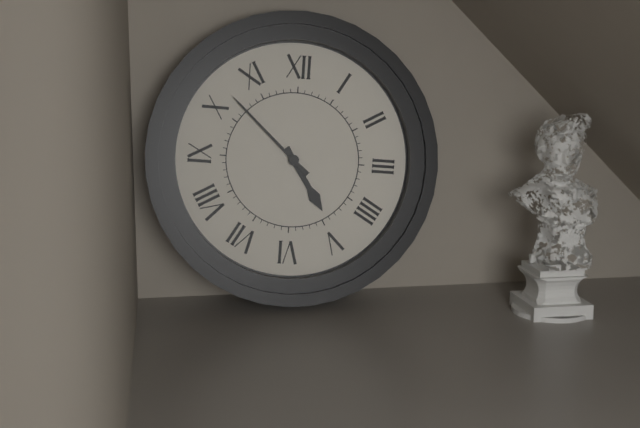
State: 4h52
